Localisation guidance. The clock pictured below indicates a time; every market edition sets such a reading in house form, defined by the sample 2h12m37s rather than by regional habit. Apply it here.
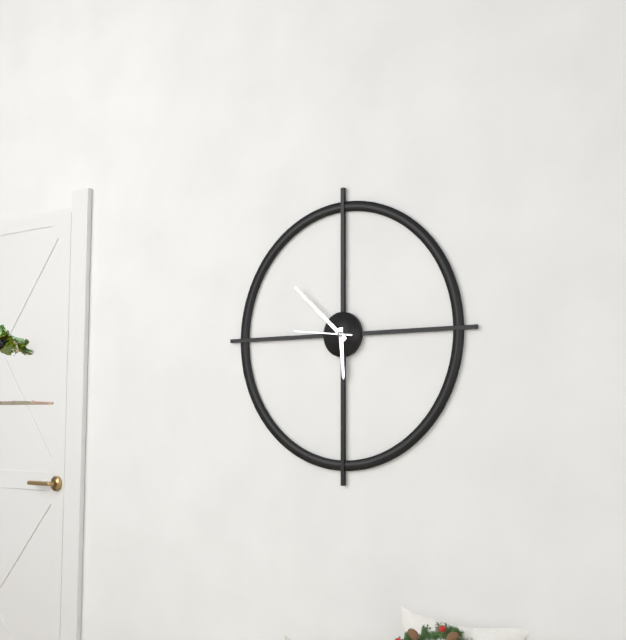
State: 5h52m46s
